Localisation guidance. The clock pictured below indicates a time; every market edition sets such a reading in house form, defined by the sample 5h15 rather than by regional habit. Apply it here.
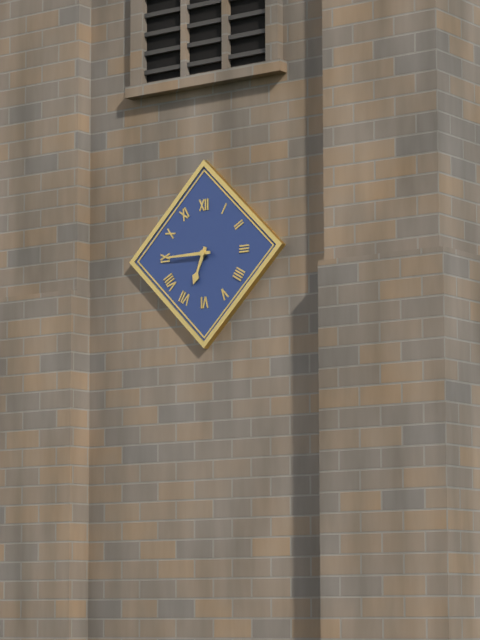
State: 6h45
